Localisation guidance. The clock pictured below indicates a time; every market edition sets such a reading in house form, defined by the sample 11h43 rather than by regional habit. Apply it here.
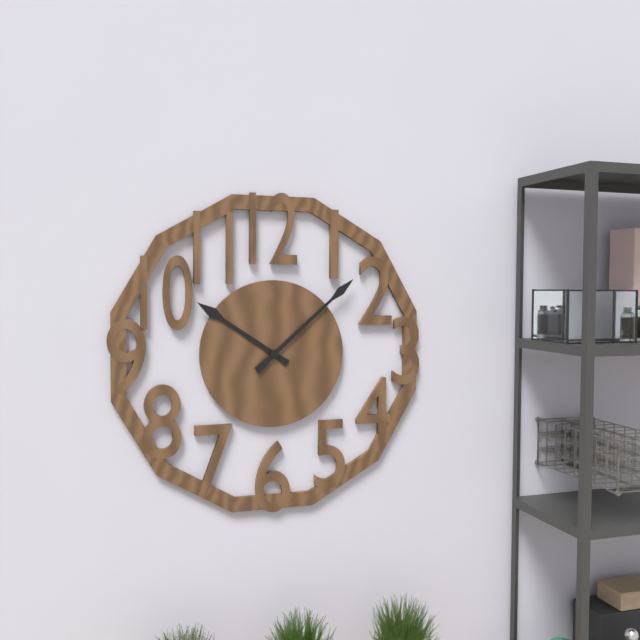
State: 10h08
